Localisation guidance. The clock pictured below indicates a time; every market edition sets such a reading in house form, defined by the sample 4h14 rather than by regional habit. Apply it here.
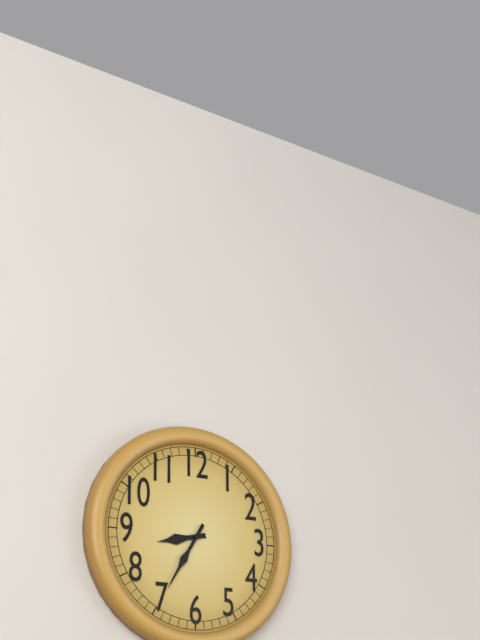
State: 8h35
